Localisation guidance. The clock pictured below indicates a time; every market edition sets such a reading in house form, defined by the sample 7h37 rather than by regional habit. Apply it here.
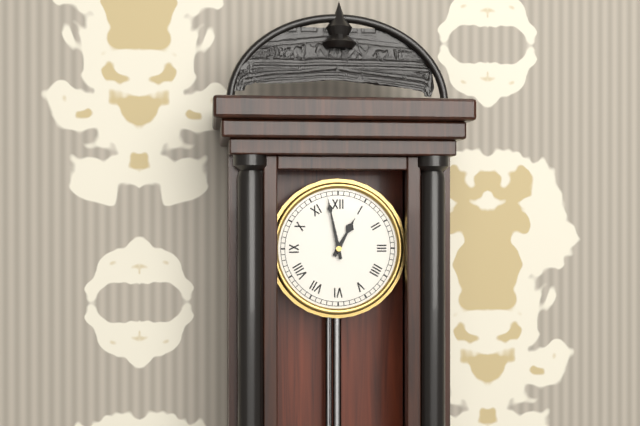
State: 12h58
